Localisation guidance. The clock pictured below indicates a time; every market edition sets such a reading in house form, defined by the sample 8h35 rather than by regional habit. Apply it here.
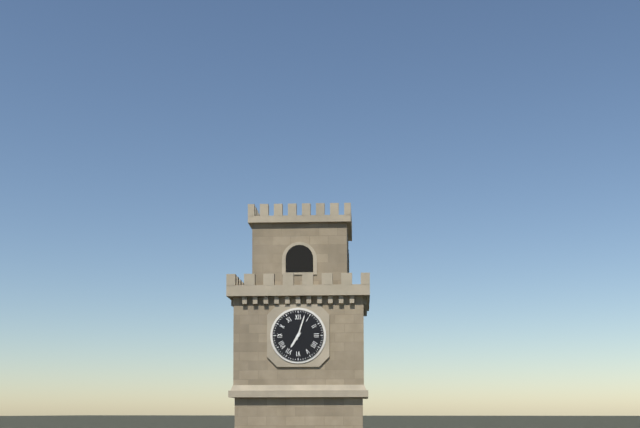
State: 7h03
